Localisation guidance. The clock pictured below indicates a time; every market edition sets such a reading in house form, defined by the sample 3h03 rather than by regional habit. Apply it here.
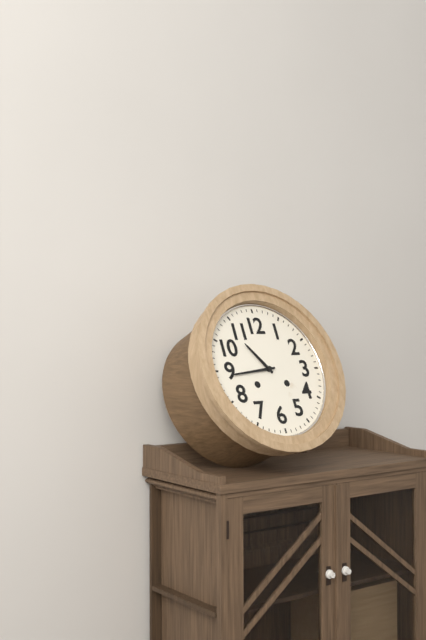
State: 10h44
